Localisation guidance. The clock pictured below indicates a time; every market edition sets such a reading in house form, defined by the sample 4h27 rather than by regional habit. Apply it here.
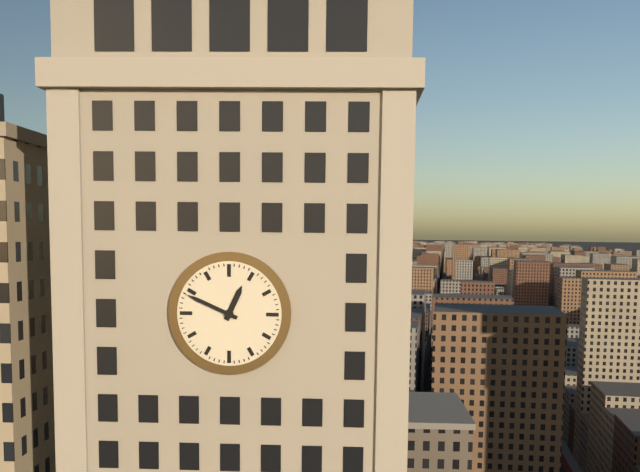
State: 12h49
